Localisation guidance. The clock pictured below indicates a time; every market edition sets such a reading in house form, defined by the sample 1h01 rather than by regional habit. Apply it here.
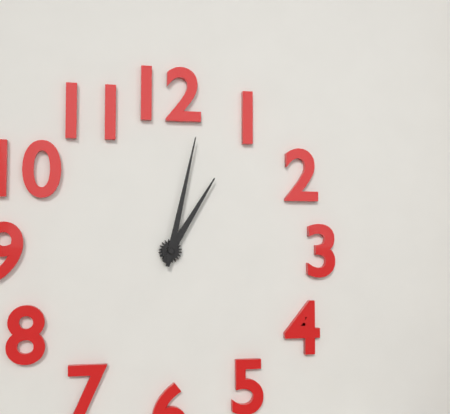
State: 1h02
